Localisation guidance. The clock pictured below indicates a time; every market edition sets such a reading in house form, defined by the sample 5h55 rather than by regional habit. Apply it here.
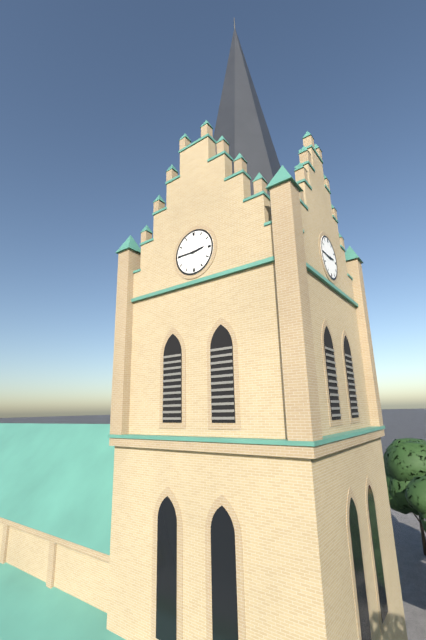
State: 2h45
